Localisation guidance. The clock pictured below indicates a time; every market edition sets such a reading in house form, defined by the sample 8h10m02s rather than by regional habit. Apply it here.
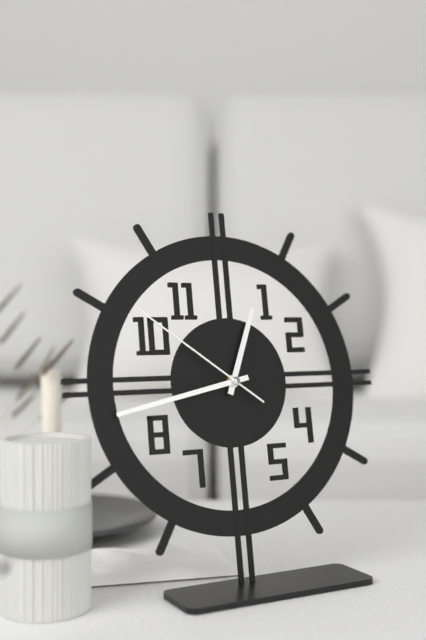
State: 12h43m51s
